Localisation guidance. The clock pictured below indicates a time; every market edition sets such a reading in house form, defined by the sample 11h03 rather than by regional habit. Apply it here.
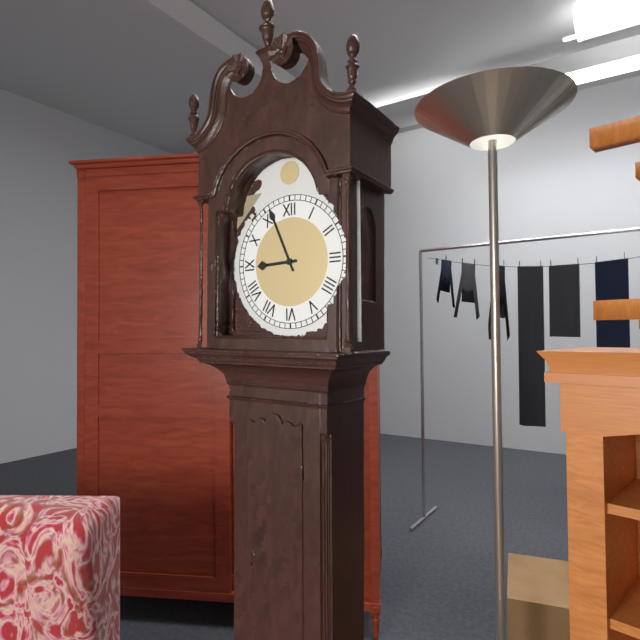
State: 8h56
